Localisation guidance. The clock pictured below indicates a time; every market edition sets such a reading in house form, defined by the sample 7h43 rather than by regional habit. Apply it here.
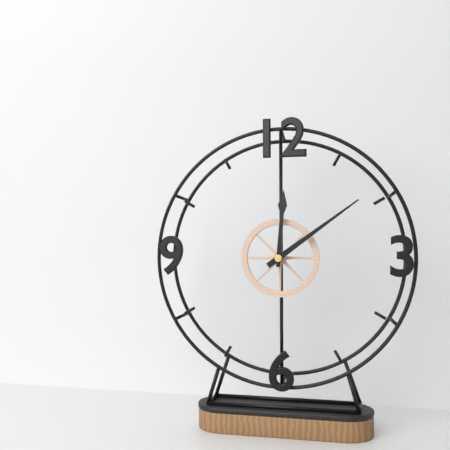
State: 12h09
